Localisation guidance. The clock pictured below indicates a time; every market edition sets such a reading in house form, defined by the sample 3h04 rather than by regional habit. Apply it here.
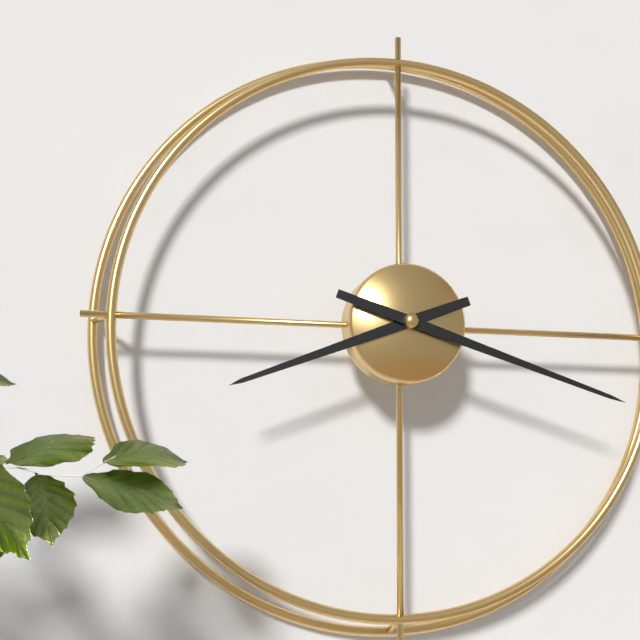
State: 8h18
